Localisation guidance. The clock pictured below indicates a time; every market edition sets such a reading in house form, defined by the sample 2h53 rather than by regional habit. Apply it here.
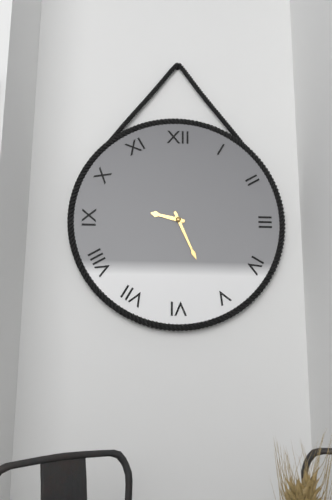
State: 9h26
